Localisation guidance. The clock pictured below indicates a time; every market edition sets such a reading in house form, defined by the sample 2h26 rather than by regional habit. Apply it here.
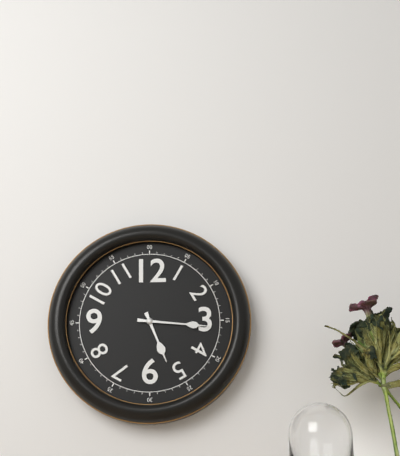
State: 5h16
